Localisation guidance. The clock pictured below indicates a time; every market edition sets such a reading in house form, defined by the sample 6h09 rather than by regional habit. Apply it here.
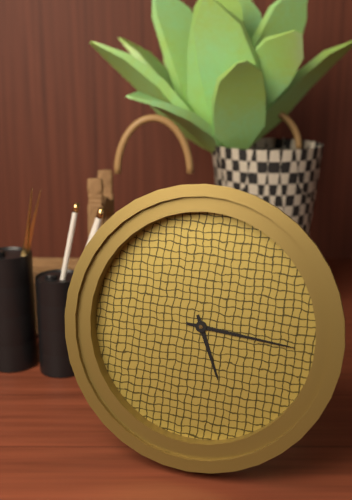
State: 5h16
